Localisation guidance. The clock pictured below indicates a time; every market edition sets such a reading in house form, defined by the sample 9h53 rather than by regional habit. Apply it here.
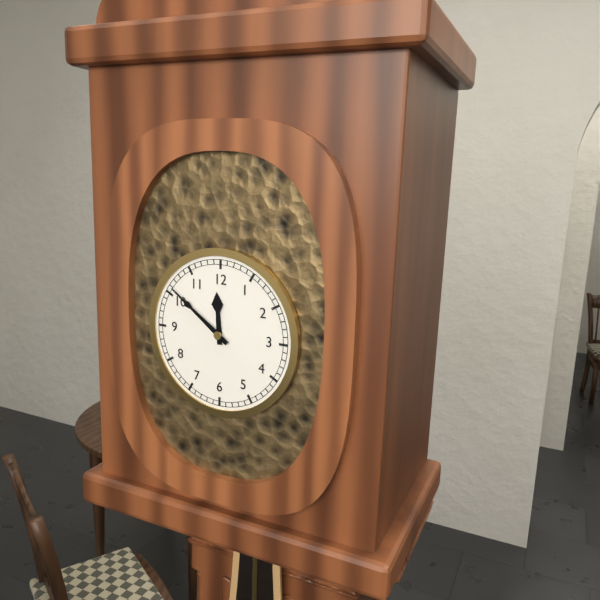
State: 11h51
